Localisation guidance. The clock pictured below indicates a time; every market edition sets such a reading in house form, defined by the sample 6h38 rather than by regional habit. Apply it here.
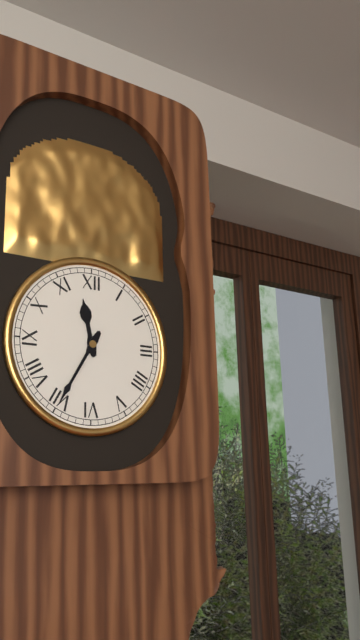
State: 11h35
